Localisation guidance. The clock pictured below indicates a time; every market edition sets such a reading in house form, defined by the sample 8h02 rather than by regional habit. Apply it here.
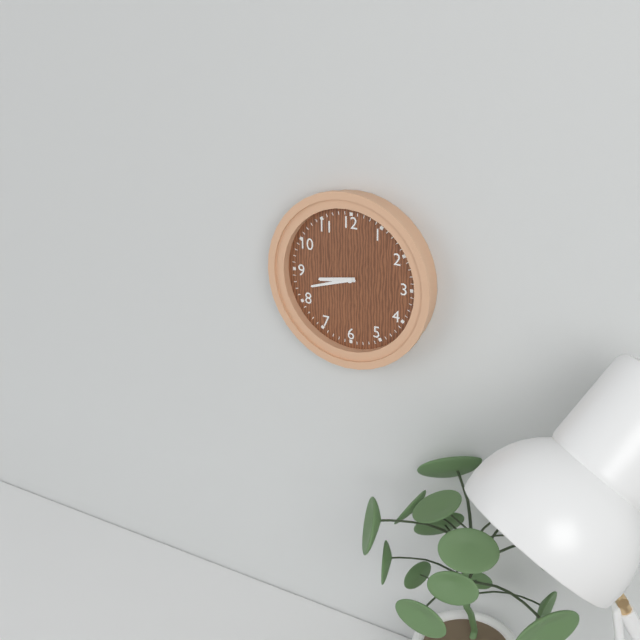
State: 8h42
